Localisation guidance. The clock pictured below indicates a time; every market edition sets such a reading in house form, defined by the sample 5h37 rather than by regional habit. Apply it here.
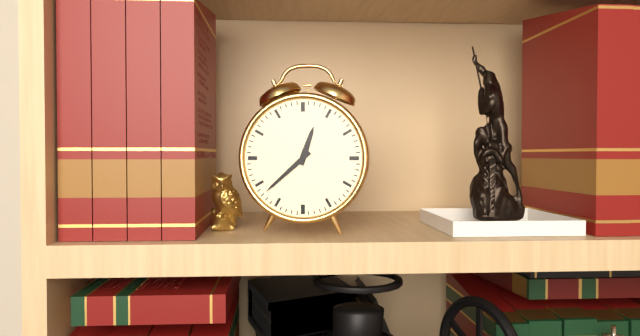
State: 12h38
